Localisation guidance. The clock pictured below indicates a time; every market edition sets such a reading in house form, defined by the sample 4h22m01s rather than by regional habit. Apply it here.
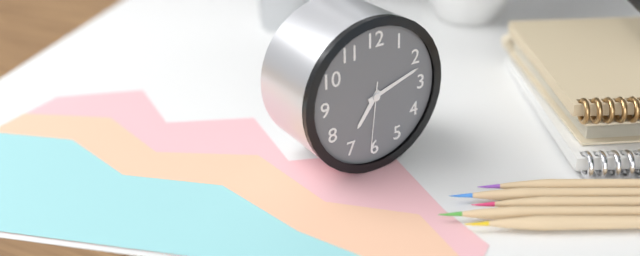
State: 7h12m31s
